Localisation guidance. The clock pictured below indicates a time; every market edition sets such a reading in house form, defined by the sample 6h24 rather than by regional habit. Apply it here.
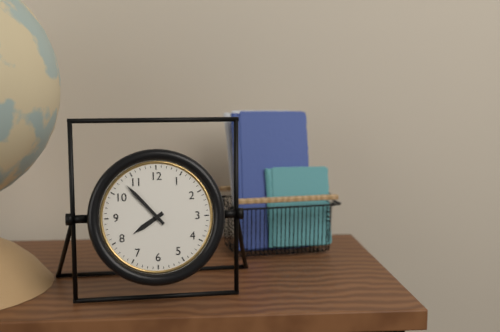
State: 7h53
